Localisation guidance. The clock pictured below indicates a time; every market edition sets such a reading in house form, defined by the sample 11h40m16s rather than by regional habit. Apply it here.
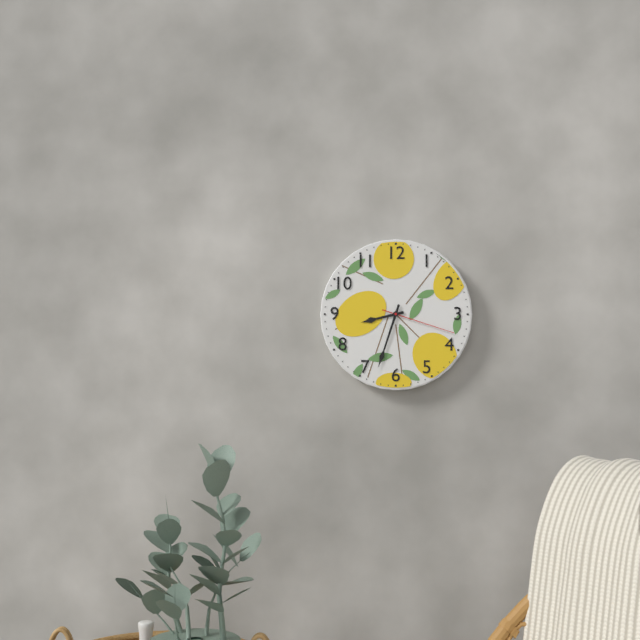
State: 8h33m18s
